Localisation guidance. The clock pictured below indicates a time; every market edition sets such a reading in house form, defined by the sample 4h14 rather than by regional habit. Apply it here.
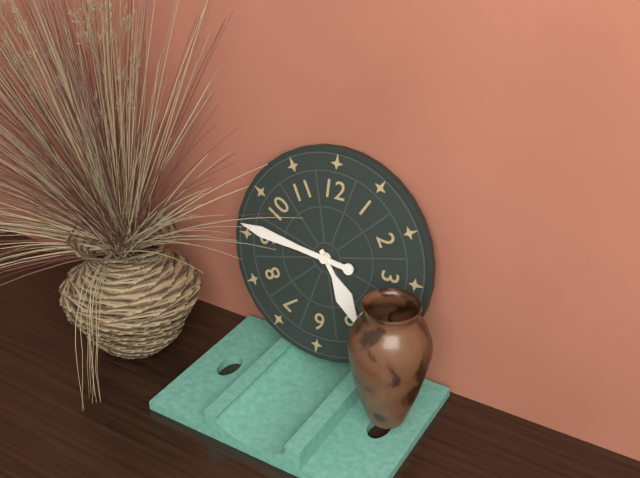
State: 4h46
